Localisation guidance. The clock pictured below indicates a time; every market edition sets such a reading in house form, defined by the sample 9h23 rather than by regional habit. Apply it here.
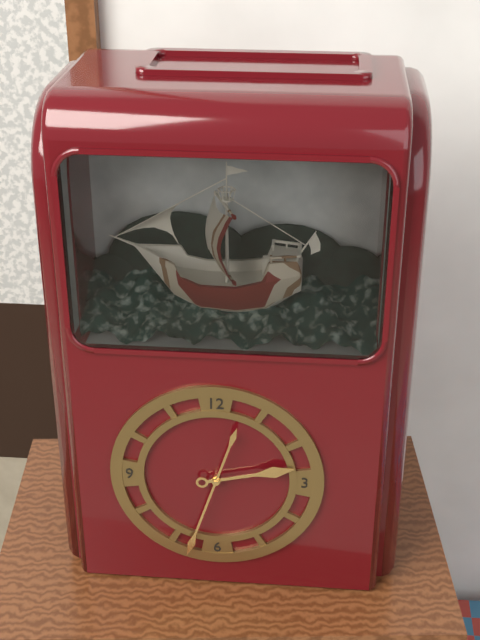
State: 2h33
